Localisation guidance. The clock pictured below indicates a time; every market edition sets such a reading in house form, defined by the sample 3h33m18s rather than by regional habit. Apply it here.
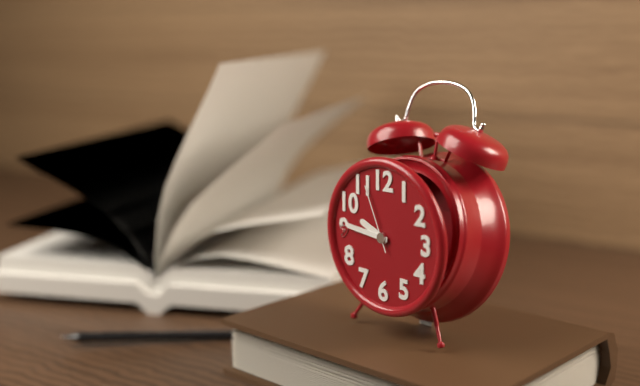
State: 9h46m56s
